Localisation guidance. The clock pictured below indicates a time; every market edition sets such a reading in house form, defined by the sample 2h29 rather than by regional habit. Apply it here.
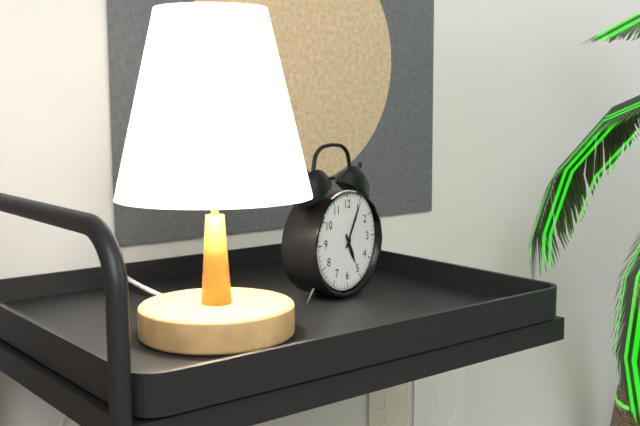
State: 5h05
